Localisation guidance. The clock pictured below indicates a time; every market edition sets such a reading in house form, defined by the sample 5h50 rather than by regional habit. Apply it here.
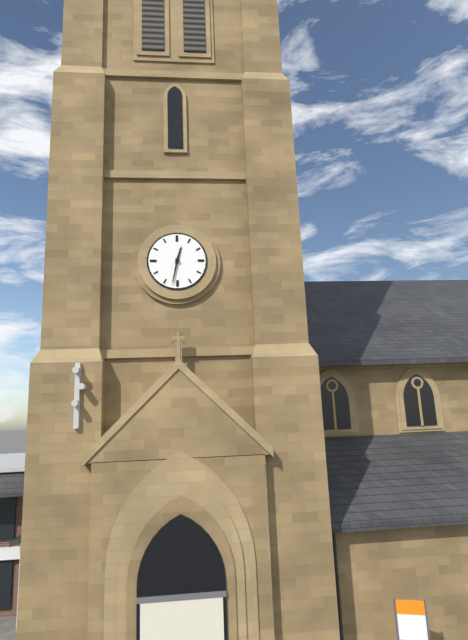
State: 12h32
